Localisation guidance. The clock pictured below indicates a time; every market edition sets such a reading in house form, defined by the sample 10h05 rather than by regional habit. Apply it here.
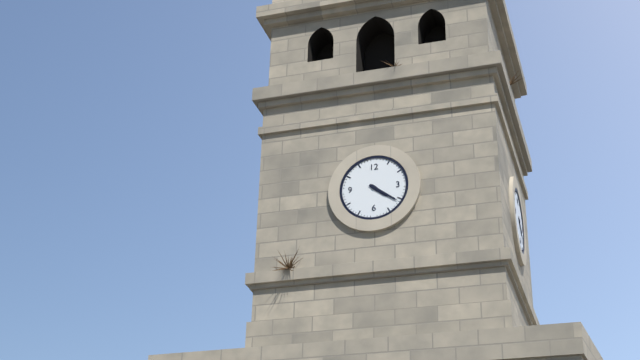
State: 4h21
